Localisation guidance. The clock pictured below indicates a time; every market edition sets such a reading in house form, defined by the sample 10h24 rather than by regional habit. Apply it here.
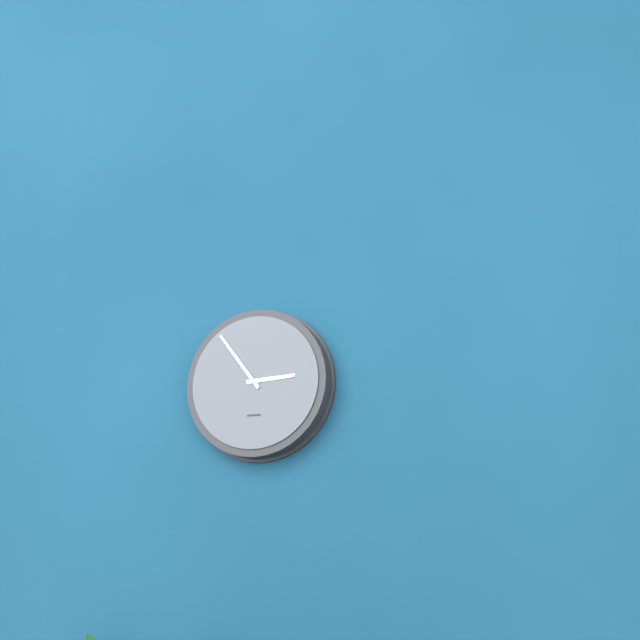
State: 2h54
